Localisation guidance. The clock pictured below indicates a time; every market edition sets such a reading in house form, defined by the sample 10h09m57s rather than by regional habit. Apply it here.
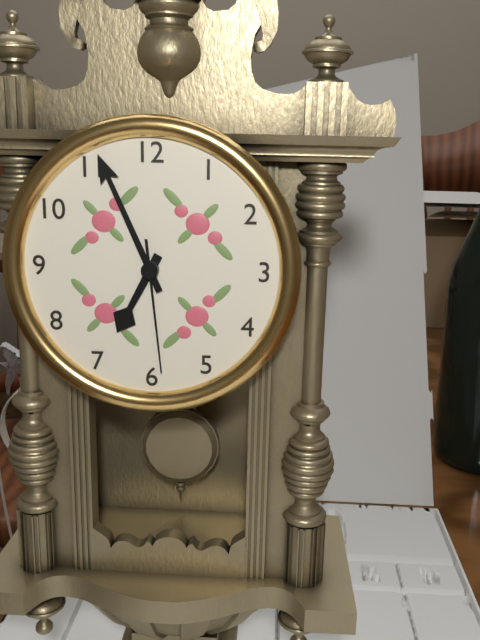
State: 6h56m29s
